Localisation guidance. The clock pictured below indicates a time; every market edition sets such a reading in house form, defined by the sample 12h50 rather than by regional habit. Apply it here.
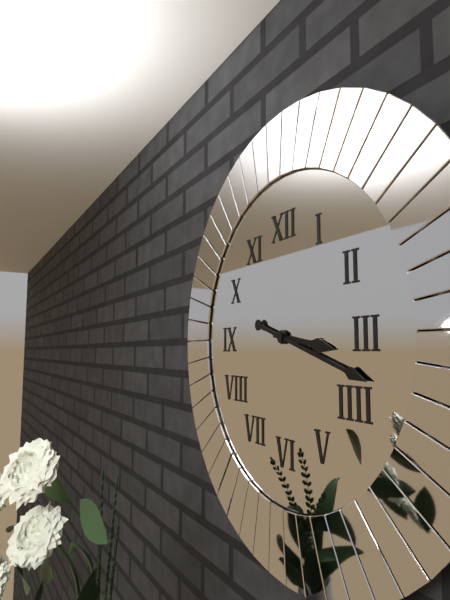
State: 3h18
